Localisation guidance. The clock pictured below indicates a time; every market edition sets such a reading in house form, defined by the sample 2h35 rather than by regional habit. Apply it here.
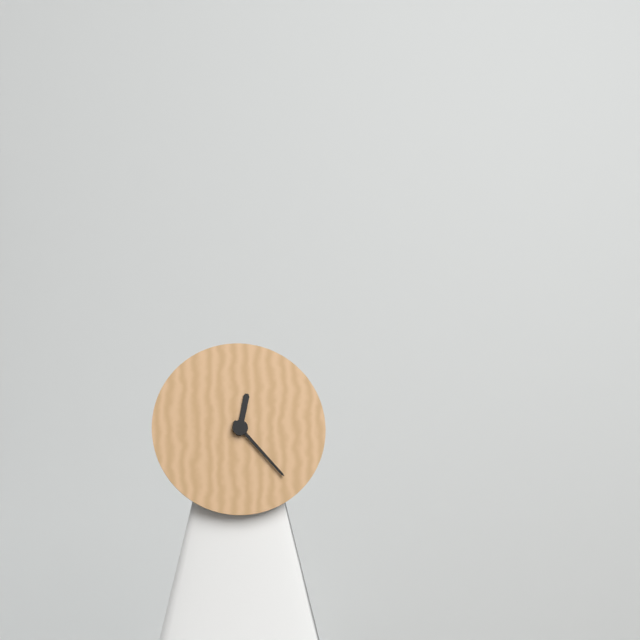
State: 12h23
